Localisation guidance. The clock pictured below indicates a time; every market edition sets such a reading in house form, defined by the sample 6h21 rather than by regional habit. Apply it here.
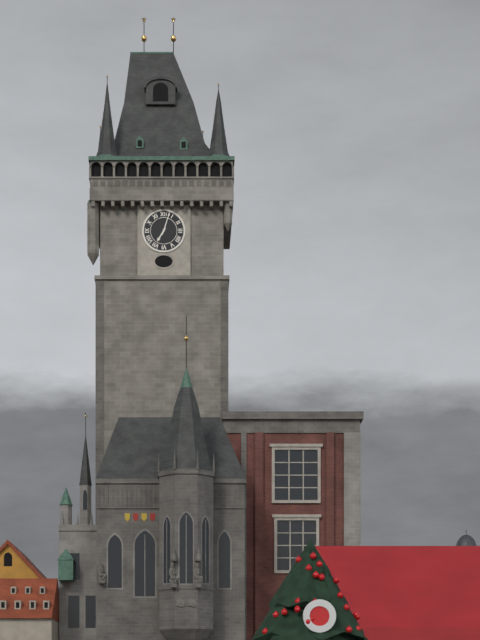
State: 7h03
